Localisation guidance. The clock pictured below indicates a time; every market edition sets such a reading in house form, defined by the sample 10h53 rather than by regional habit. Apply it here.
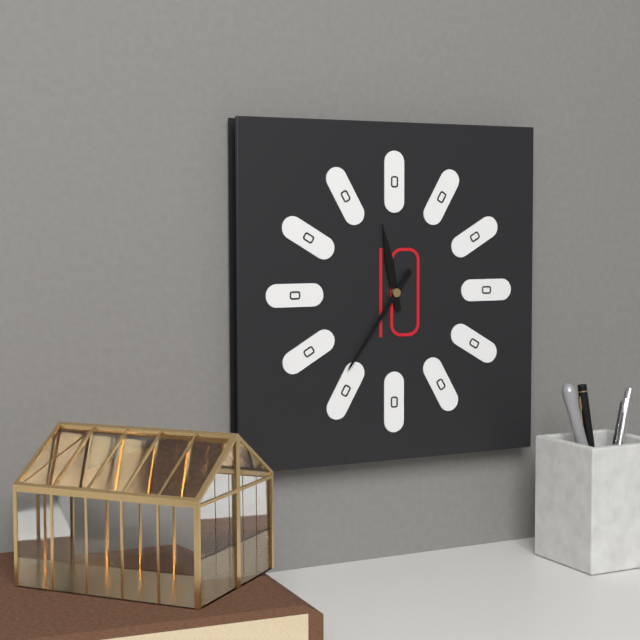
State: 11h36
